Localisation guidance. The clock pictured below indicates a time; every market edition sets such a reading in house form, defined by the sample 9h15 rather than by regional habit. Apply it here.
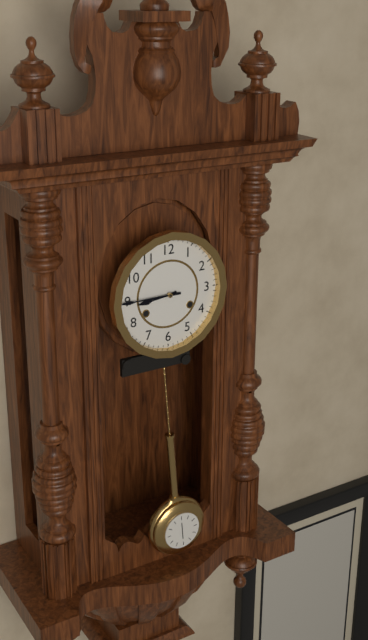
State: 8h45
